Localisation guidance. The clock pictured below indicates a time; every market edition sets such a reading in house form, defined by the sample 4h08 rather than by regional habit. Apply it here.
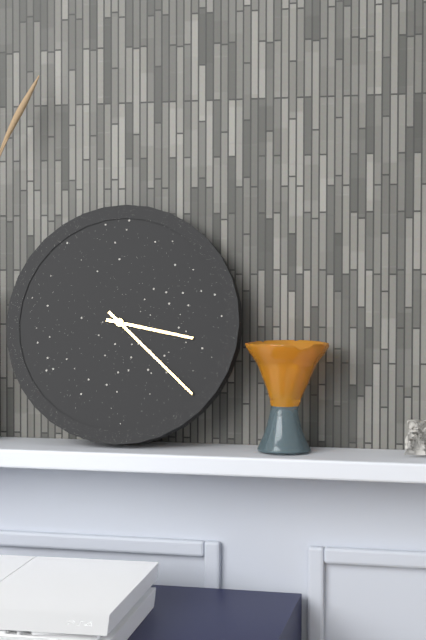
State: 3h22
